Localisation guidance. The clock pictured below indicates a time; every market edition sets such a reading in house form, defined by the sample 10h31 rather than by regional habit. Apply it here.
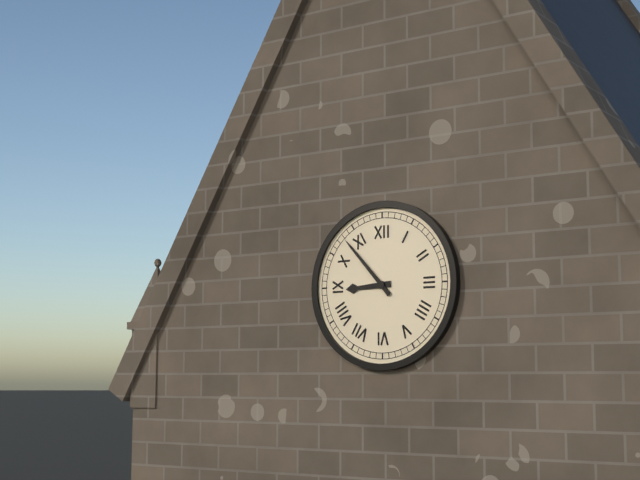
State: 8h53
